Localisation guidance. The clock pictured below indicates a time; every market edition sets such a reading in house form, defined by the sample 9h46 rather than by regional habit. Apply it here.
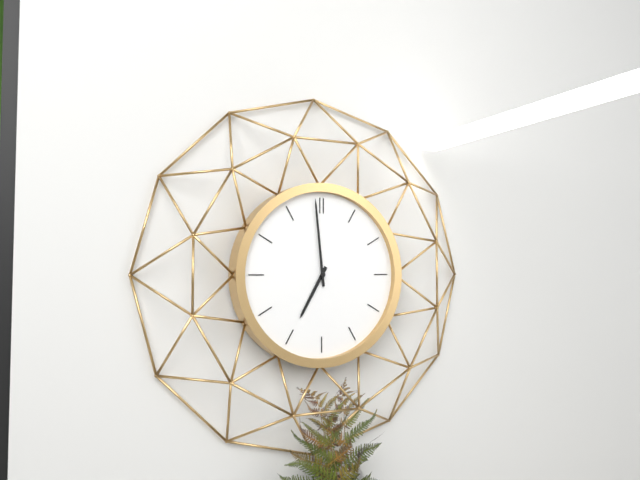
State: 6h59
